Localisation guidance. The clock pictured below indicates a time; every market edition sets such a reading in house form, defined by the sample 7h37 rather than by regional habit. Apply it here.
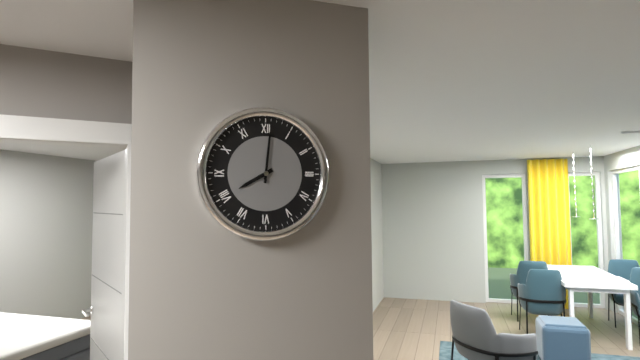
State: 8h01
